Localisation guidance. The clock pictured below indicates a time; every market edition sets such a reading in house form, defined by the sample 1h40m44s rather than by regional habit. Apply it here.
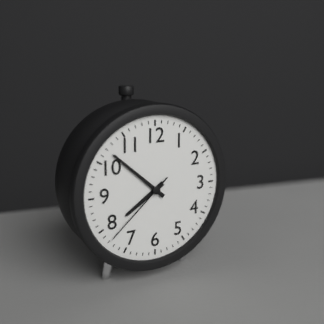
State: 7h52m38s
